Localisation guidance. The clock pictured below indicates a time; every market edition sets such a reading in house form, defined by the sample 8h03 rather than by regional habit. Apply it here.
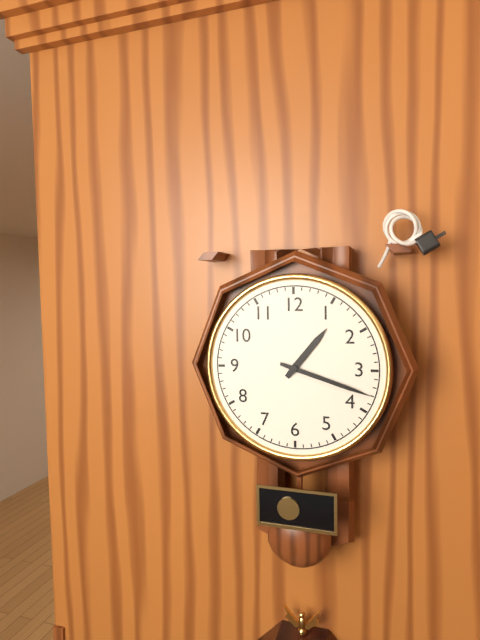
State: 1h18
